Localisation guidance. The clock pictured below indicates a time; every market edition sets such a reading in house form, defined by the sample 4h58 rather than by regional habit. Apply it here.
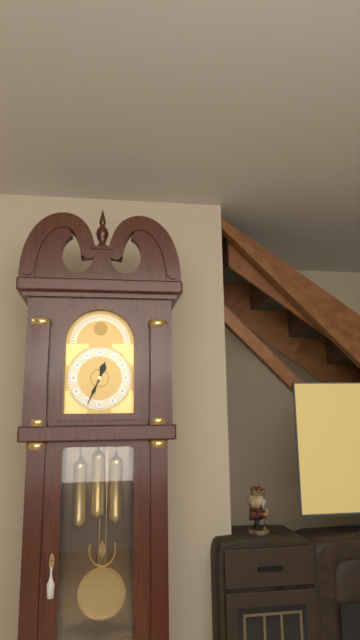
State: 12h34
